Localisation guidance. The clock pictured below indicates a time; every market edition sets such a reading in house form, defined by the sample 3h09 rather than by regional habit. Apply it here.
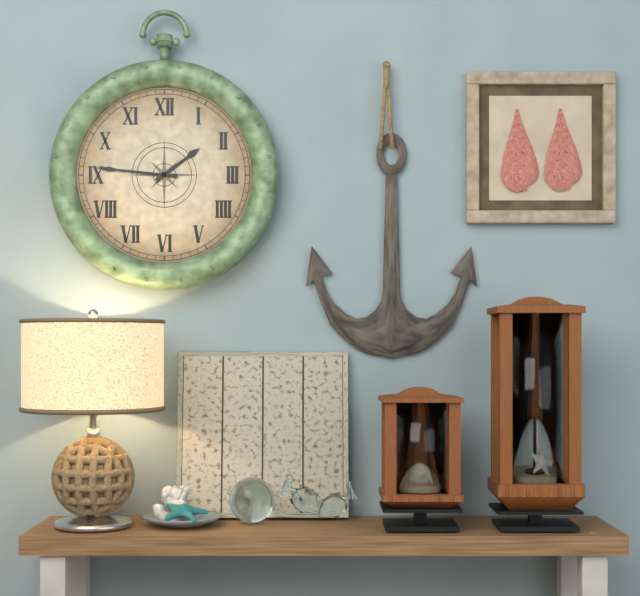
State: 1h46
